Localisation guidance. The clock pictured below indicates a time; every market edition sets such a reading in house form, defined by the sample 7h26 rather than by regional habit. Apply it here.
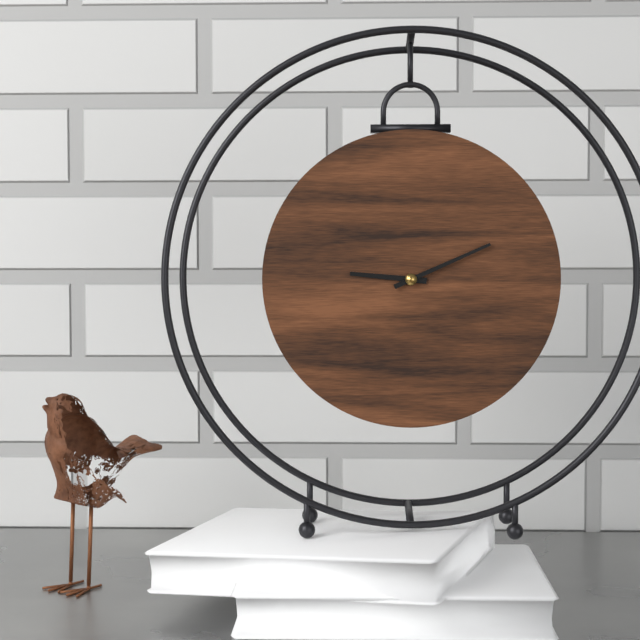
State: 9h11
